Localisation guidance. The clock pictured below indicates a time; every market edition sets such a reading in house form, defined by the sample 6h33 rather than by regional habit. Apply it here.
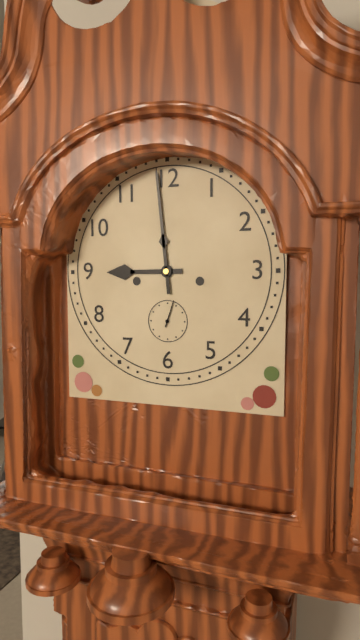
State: 8h59
